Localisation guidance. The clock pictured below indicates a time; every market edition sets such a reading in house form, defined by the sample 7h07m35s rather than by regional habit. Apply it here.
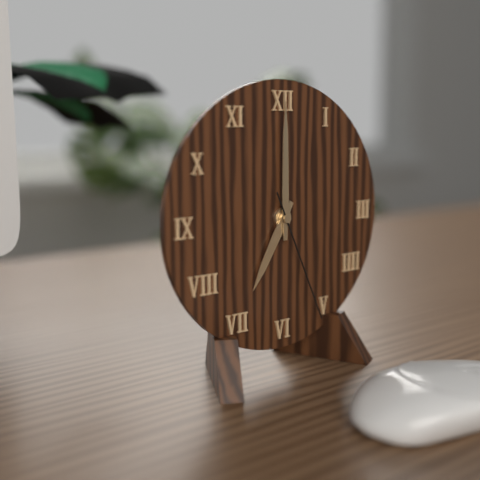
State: 7h00m26s
